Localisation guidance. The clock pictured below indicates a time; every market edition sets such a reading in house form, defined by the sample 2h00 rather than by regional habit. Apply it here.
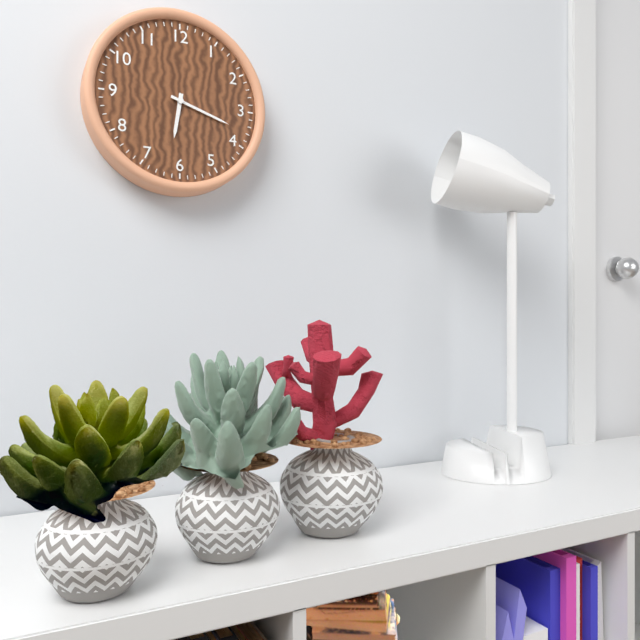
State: 6h18
